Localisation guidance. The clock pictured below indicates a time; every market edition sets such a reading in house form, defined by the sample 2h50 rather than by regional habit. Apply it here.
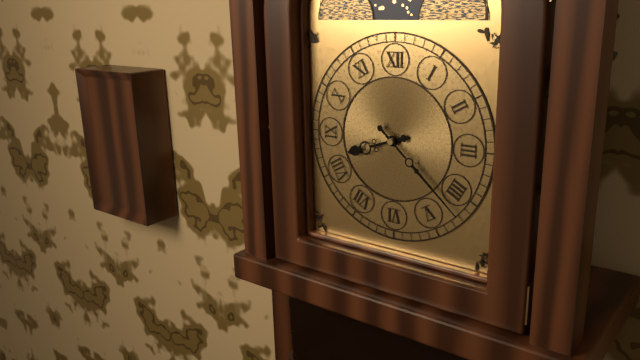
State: 8h22
